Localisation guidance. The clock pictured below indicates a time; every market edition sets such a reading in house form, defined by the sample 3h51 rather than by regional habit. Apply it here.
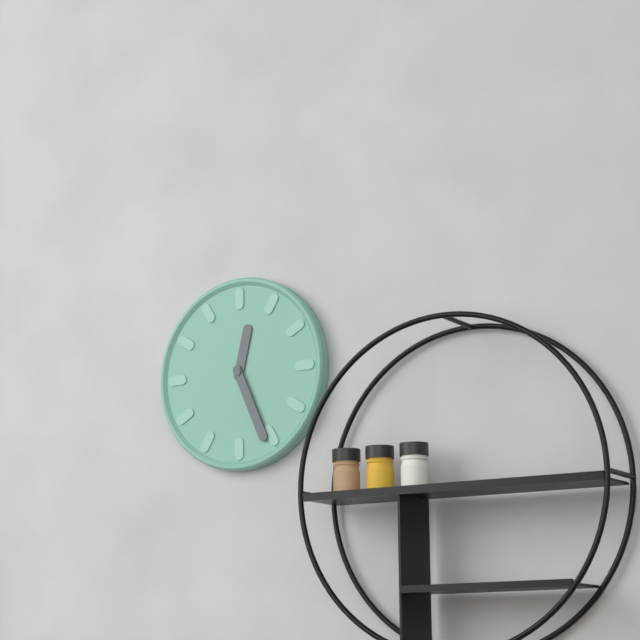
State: 12h26
